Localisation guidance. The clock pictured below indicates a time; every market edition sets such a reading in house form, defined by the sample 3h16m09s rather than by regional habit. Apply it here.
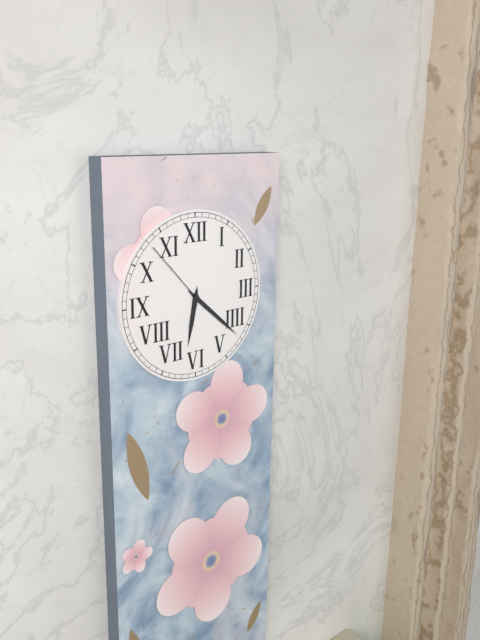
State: 6h22m53s
